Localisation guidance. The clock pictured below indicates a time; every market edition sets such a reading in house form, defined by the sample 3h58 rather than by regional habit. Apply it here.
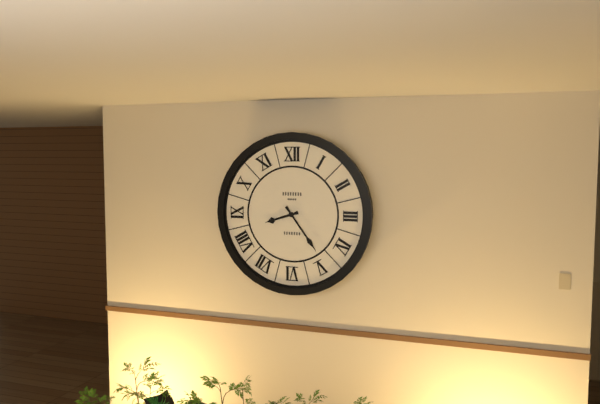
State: 8h24
